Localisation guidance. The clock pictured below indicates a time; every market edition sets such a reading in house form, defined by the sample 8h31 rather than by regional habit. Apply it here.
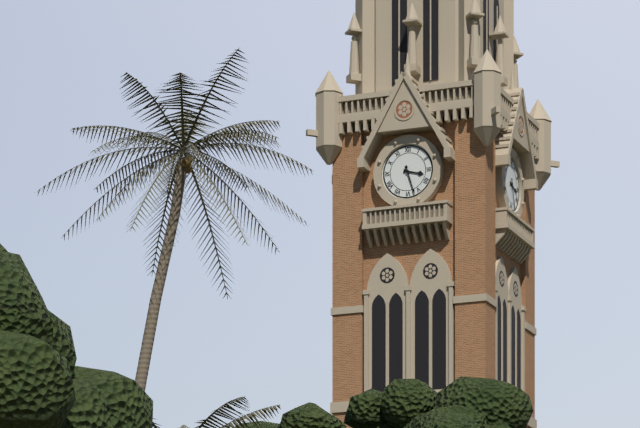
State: 3h27
